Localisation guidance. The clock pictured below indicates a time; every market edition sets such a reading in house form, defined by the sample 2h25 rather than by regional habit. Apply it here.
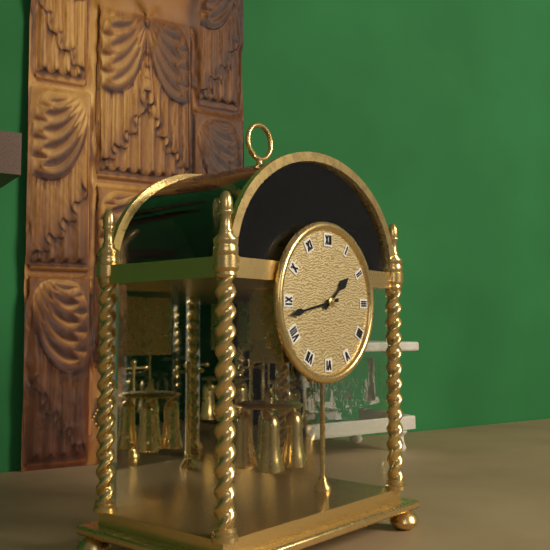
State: 1h43
